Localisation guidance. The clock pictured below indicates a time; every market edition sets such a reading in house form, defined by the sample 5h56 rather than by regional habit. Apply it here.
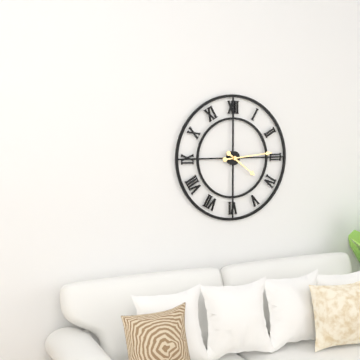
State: 4h14
